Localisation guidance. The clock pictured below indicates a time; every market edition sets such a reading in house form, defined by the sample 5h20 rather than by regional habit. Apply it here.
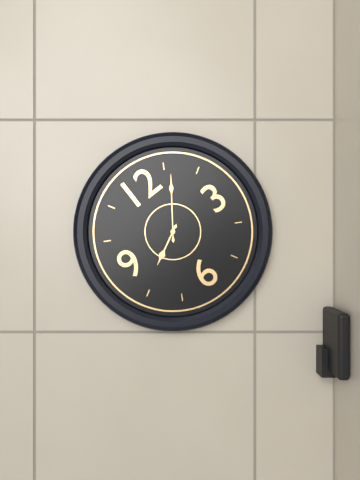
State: 8h06
